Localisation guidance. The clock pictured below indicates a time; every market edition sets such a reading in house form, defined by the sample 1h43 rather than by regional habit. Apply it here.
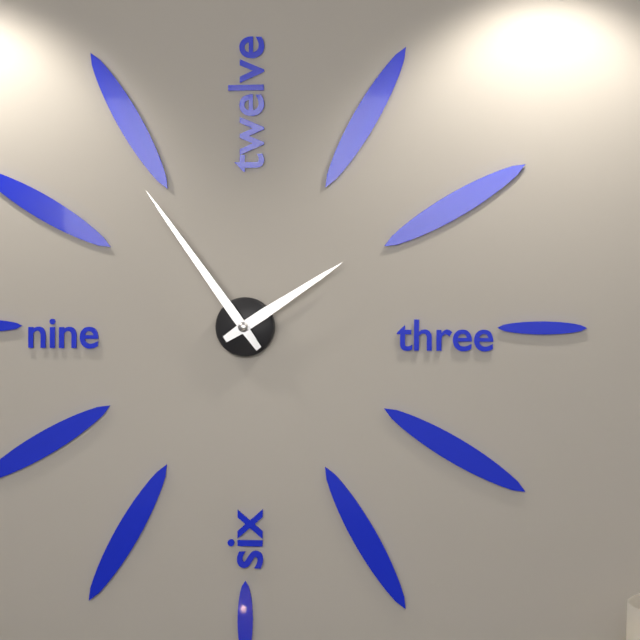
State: 1h54
